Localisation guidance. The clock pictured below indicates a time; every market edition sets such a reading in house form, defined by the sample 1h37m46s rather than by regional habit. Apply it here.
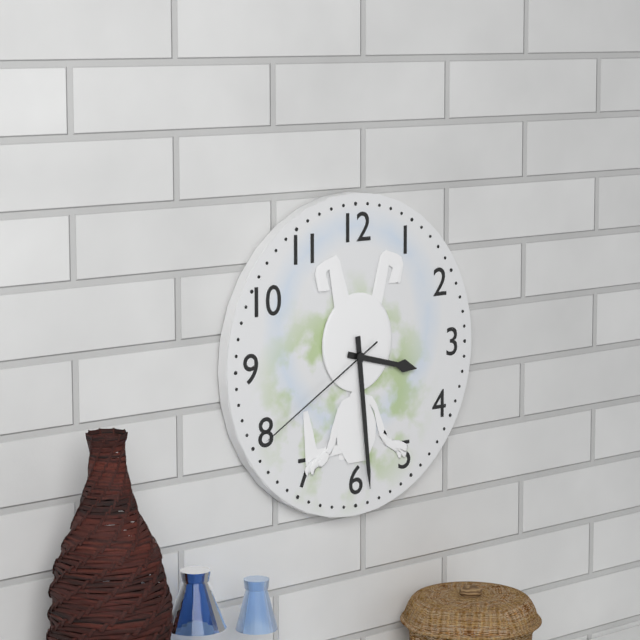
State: 3h29m40s
